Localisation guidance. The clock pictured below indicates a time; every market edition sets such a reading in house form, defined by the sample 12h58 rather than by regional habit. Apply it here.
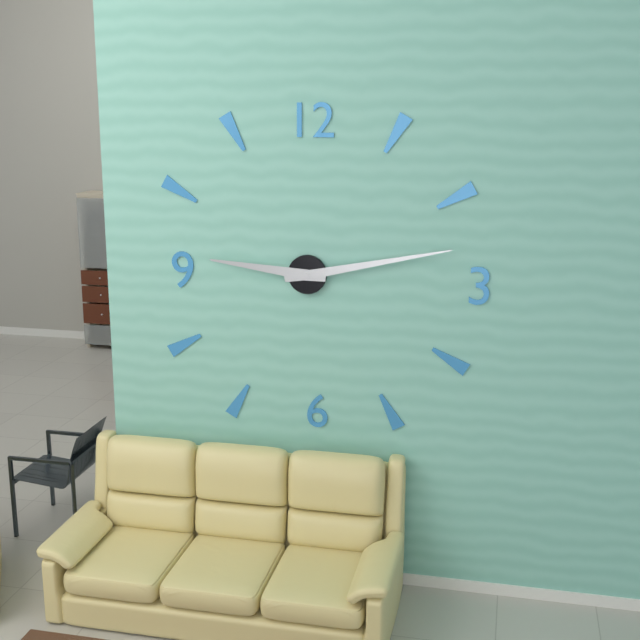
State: 9h13
